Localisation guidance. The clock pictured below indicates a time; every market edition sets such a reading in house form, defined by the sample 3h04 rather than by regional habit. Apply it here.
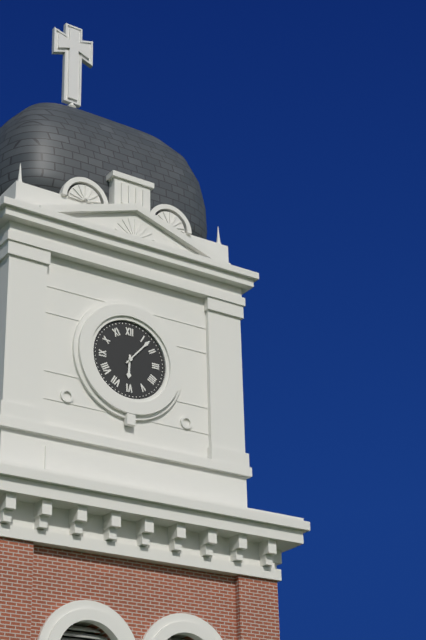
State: 6h07
